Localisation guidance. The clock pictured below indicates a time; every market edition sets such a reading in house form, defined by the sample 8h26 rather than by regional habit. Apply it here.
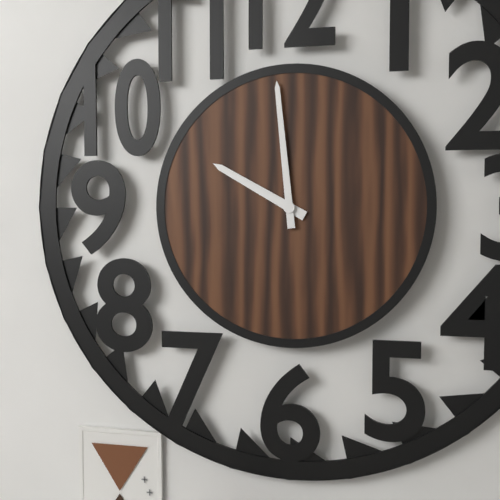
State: 9h59
